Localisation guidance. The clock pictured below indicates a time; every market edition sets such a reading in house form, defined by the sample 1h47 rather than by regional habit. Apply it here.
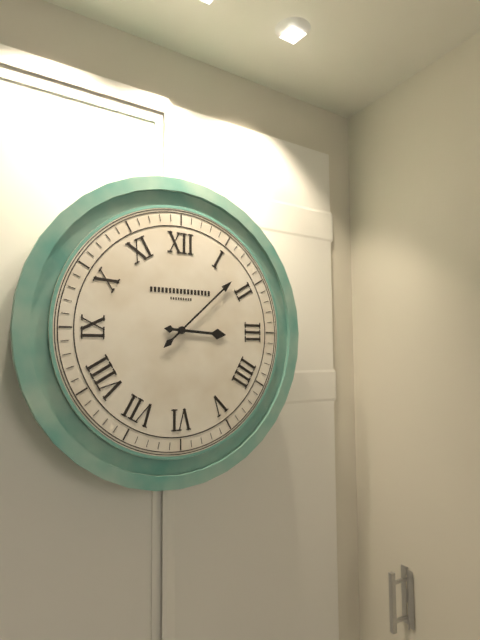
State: 3h08
